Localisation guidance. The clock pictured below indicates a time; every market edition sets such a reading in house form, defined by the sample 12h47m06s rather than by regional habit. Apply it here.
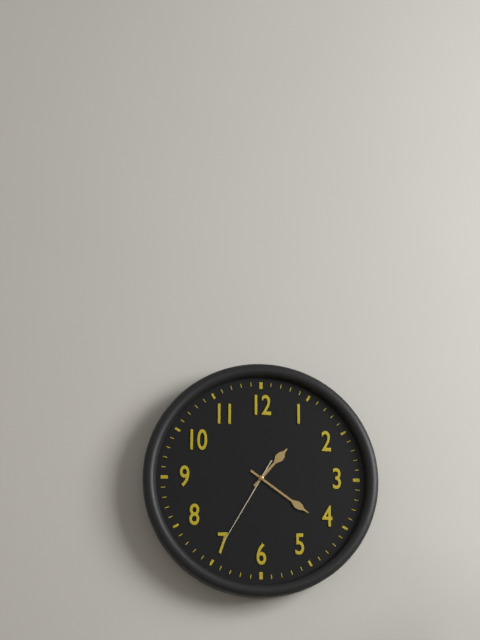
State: 1h21m35s
